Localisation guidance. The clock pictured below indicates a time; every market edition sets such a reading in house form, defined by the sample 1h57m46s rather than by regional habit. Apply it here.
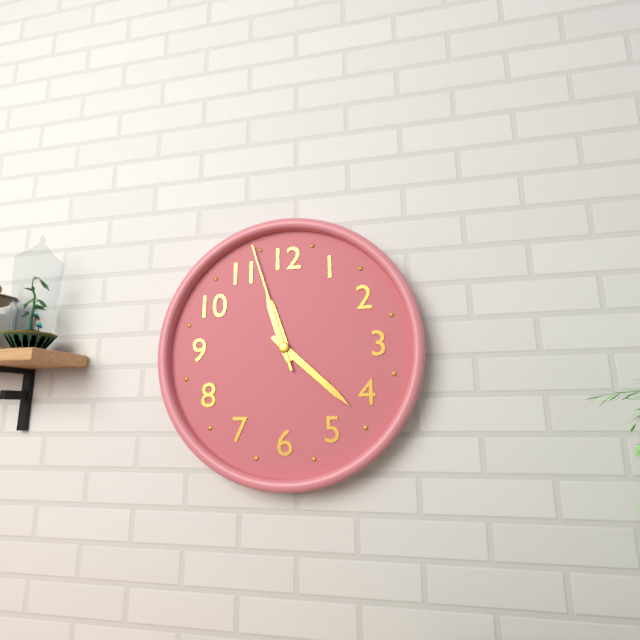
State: 11h22m57s
